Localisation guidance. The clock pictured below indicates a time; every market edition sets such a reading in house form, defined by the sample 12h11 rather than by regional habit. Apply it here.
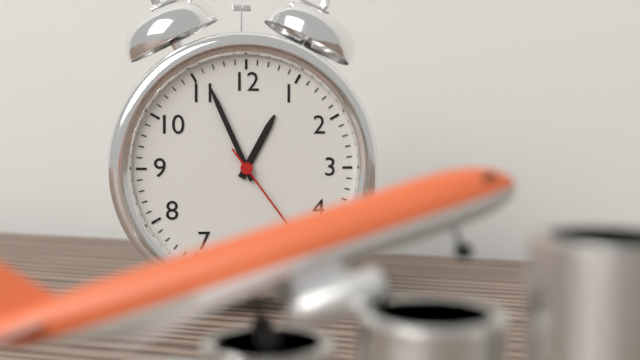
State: 12h56
